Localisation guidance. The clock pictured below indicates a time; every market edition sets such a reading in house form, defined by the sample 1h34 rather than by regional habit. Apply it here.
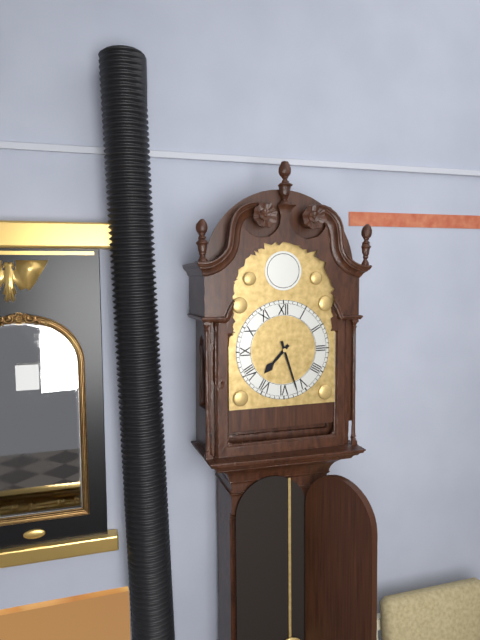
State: 7h27
